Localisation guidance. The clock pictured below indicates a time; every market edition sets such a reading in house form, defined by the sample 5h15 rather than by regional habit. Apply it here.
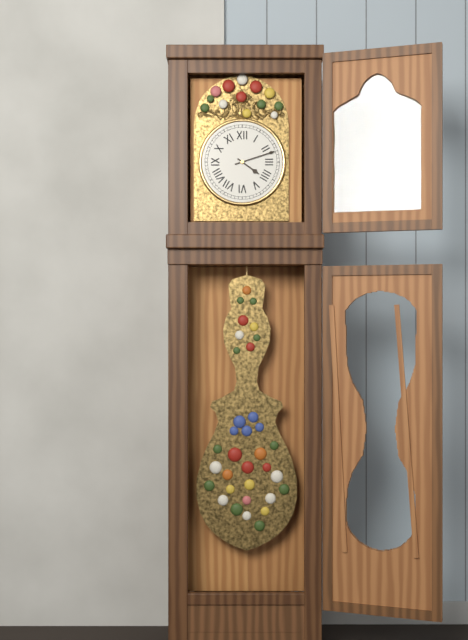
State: 4h12
